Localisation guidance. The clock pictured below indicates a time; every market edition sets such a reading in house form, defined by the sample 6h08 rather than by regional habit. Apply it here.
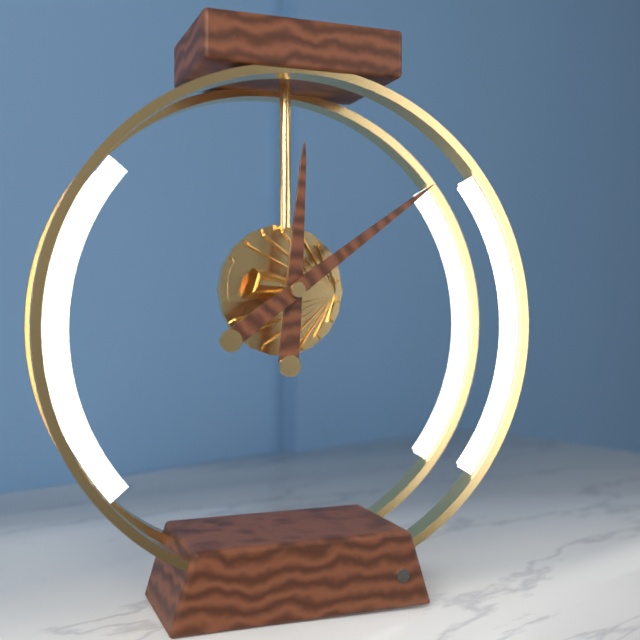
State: 12h09
